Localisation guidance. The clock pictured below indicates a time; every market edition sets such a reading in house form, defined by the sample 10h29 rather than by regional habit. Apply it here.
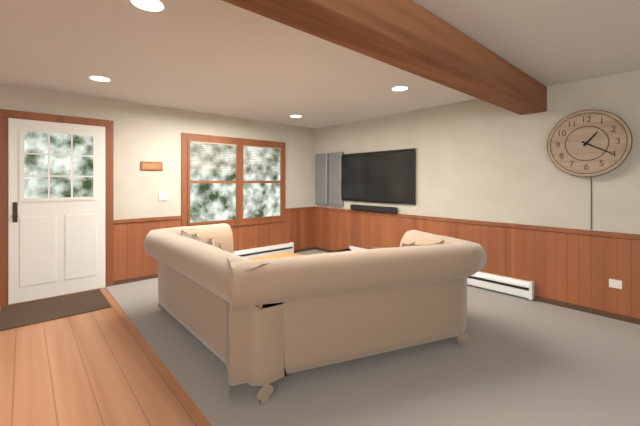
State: 1h20
